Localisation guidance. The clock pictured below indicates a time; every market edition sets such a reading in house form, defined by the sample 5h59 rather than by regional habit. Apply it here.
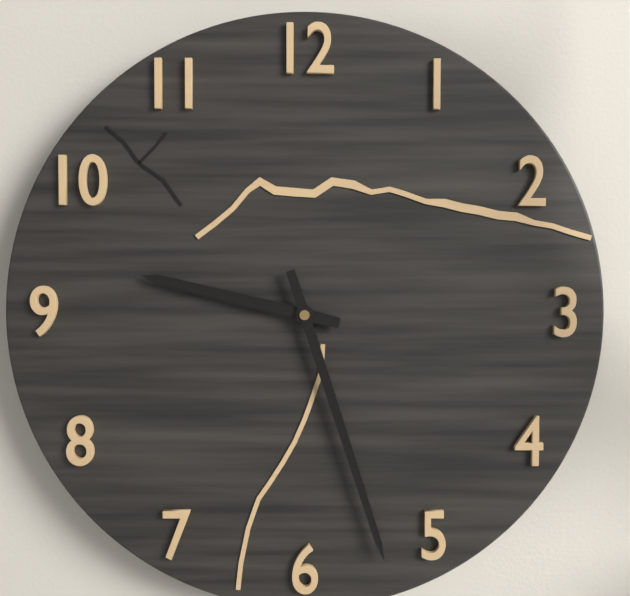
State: 9h27
